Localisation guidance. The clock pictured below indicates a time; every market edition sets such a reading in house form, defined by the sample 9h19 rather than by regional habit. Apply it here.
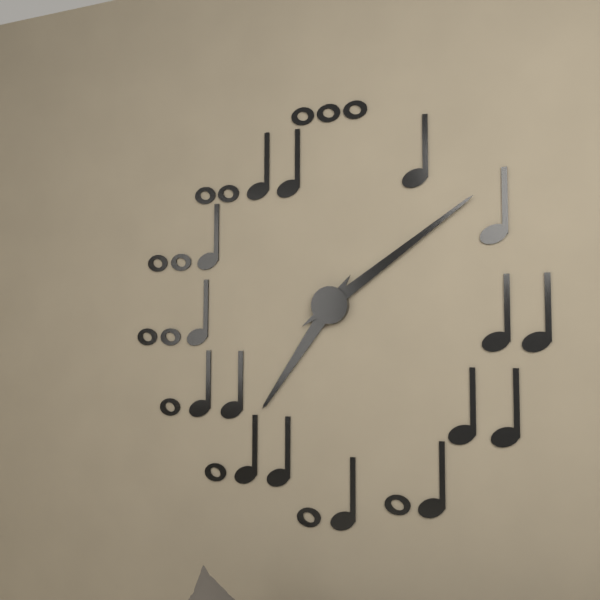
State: 7h09
